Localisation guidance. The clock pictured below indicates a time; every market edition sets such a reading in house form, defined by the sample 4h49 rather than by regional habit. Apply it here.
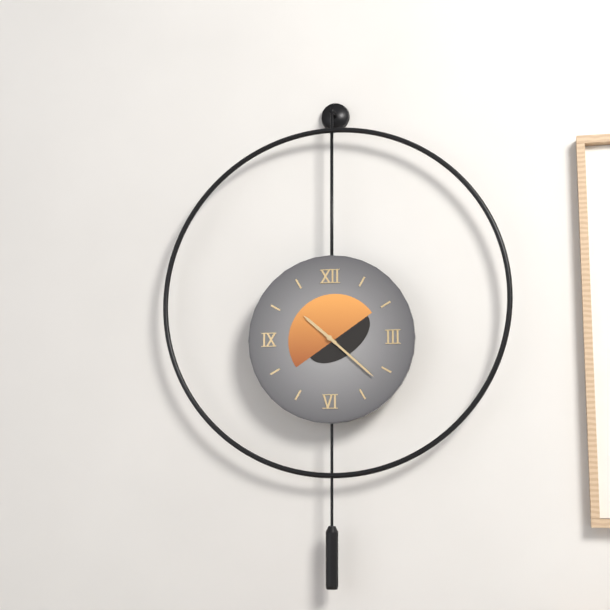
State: 10h22
